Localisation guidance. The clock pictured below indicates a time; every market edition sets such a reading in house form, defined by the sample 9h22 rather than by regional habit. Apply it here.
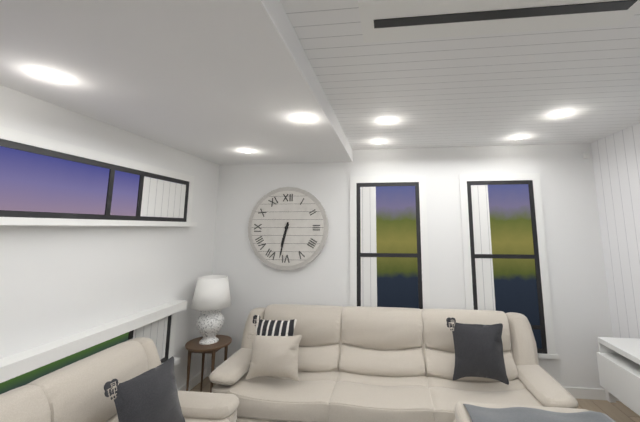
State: 6h32
